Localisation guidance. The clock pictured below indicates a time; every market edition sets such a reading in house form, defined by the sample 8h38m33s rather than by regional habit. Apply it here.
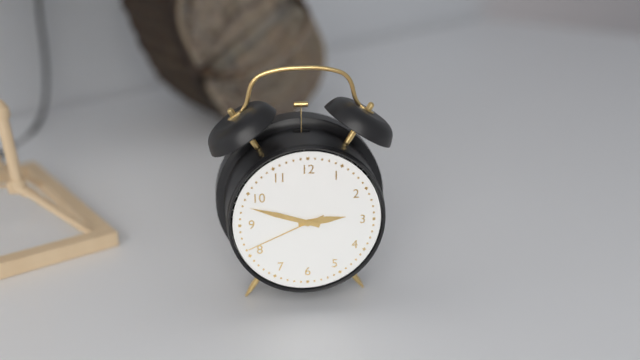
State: 2h48m41s
